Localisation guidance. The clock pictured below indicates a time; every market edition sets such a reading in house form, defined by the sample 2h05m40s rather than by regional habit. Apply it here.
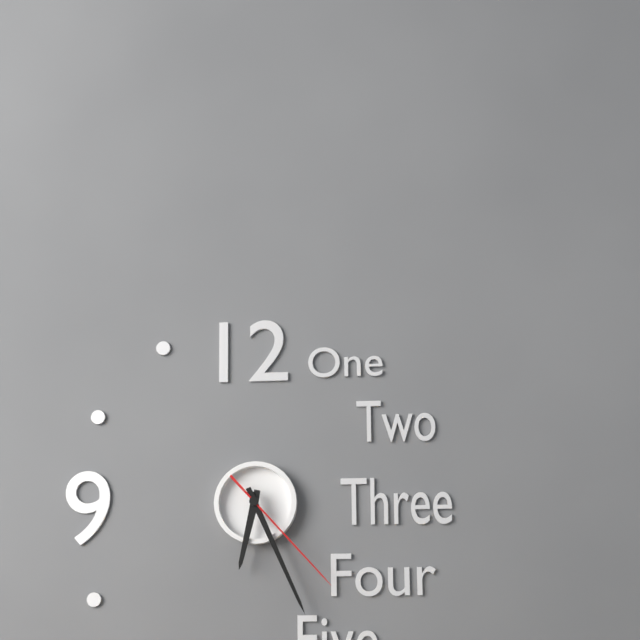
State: 6h26m23s
